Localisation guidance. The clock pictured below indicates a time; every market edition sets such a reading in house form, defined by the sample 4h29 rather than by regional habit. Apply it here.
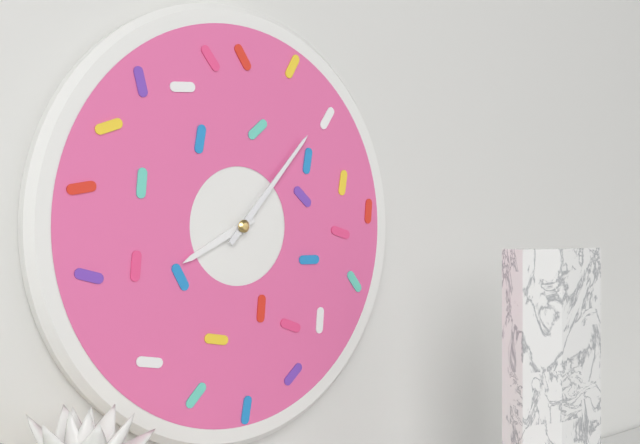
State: 8h07
